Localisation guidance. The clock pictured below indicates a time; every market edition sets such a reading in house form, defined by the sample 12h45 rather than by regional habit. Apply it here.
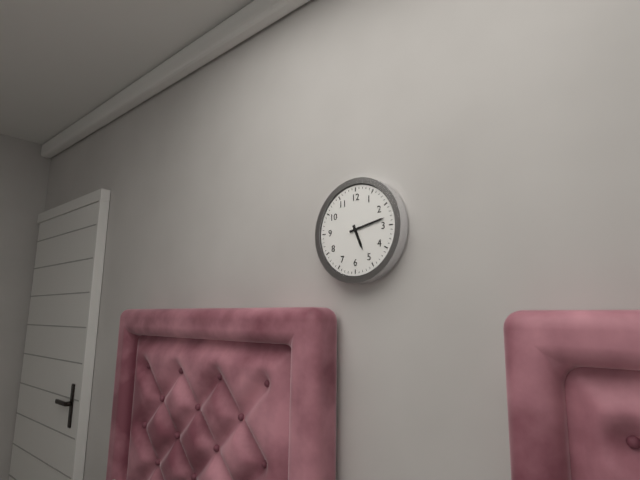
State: 5h13
